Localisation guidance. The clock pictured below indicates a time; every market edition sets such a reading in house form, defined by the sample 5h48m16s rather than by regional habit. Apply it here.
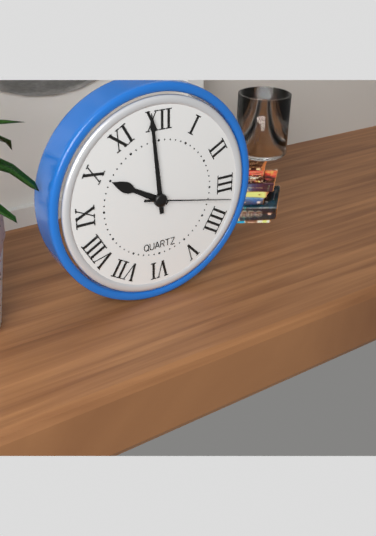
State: 9h59m17s
